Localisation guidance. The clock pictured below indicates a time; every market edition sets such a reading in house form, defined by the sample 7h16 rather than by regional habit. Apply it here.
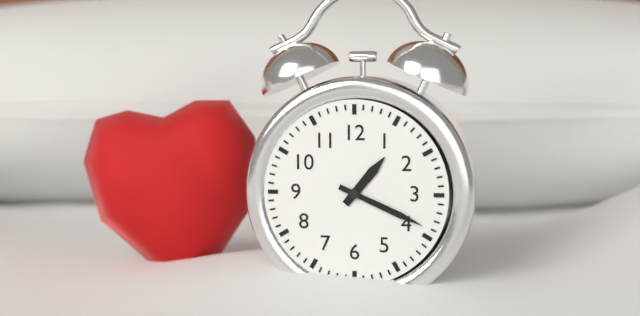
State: 1h19
